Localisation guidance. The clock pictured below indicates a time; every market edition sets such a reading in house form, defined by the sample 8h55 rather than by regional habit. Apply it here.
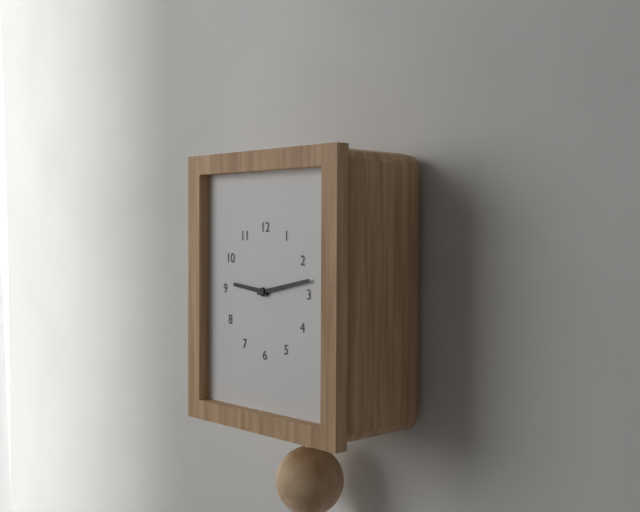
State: 9h13
